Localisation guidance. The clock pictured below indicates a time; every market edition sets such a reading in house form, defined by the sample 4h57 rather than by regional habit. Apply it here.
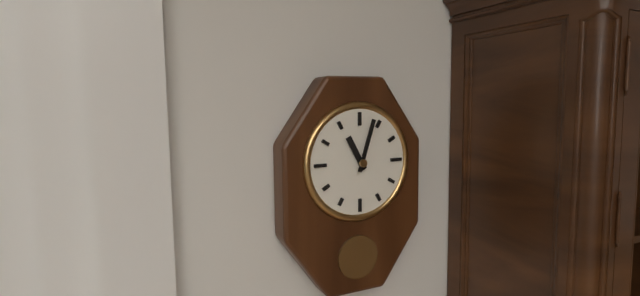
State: 11h03
